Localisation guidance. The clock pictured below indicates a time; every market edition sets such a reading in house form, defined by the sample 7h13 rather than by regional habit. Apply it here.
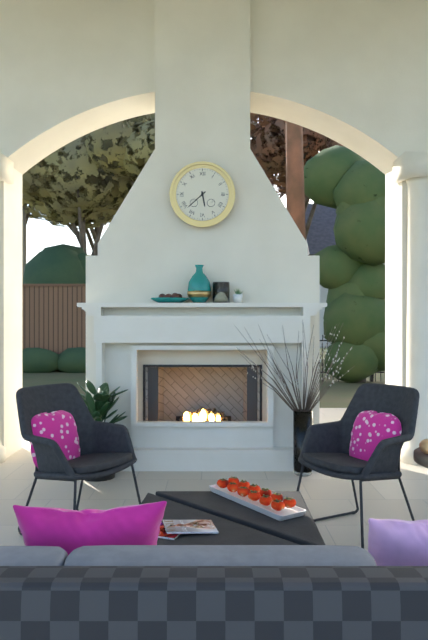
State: 5h38
